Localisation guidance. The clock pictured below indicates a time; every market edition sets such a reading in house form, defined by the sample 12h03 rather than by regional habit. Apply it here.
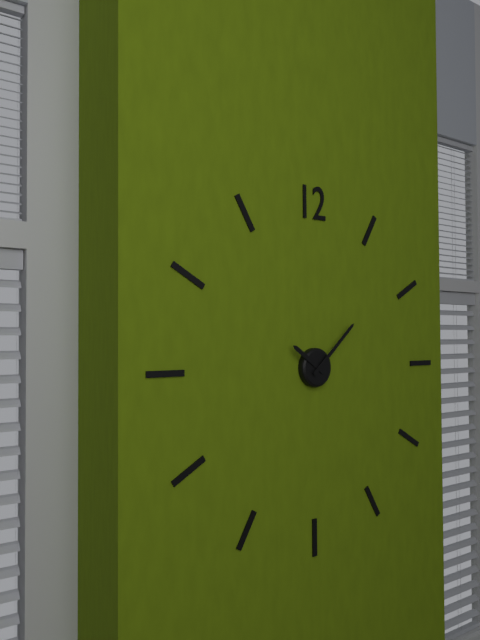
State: 10h08
